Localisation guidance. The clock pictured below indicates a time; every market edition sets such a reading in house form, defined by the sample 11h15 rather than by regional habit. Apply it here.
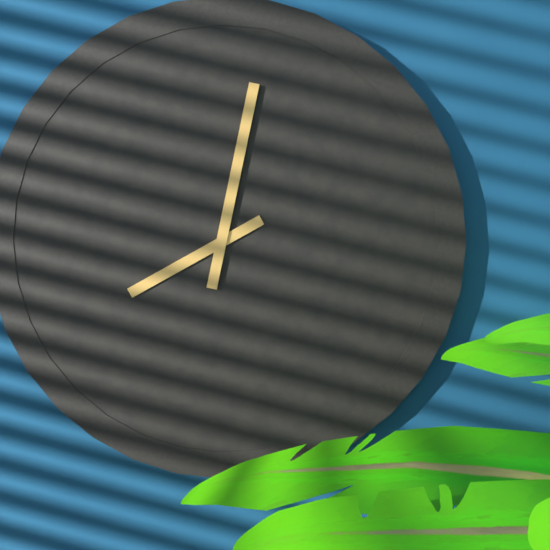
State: 8h02
